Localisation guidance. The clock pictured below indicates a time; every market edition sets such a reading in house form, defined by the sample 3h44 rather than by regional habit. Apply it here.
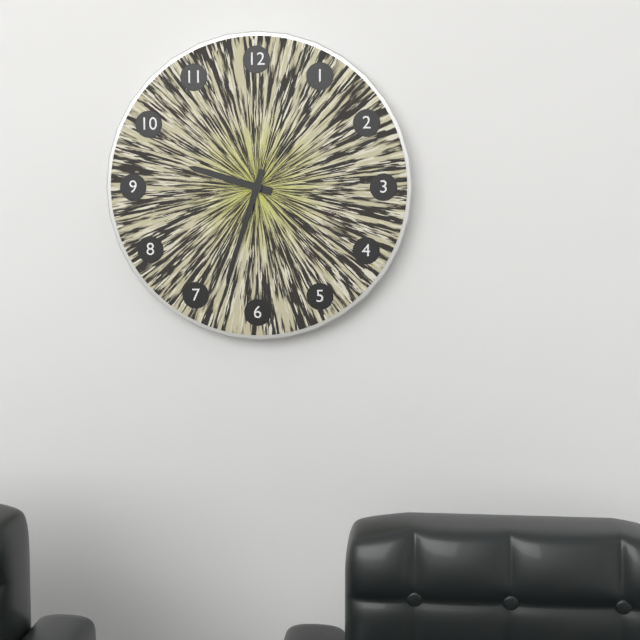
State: 9h33
